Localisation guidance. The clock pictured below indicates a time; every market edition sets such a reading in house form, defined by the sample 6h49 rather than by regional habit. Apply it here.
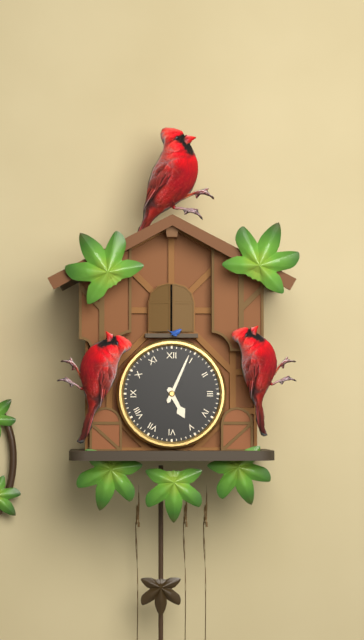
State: 5h04
